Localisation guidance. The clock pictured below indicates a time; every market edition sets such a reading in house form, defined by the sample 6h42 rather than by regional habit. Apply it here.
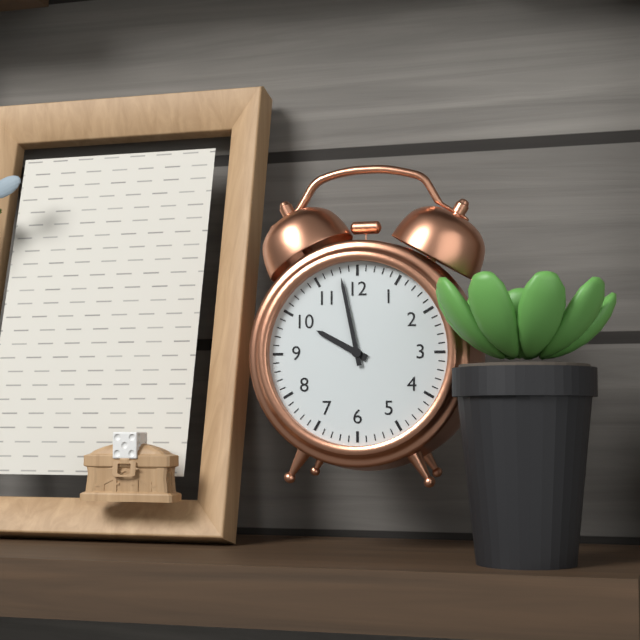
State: 9h58
